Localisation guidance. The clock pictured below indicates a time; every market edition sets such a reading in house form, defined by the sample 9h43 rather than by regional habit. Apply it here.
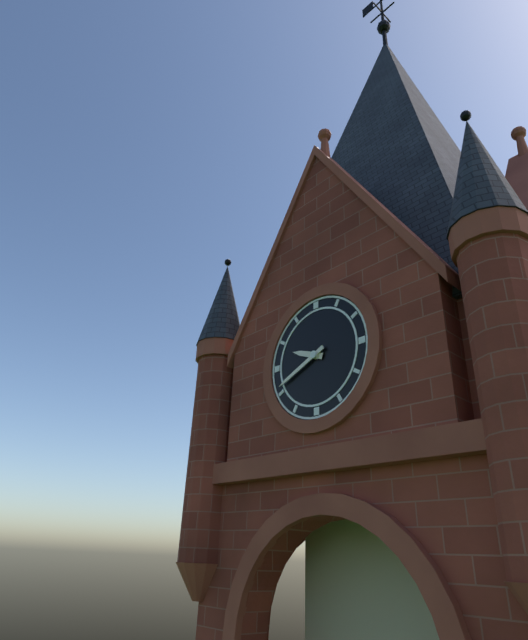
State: 9h41
